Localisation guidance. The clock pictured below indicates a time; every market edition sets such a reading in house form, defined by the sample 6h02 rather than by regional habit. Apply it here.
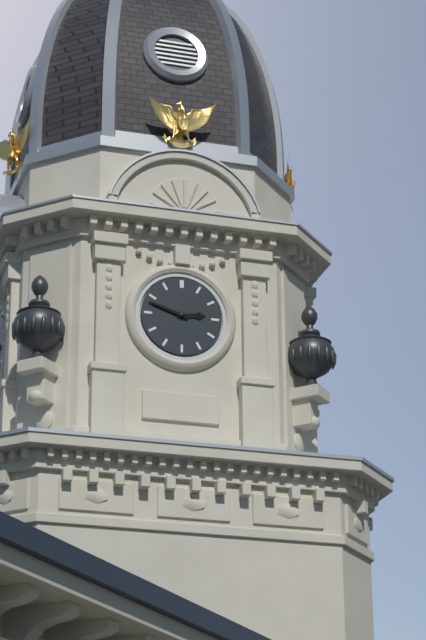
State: 2h48
